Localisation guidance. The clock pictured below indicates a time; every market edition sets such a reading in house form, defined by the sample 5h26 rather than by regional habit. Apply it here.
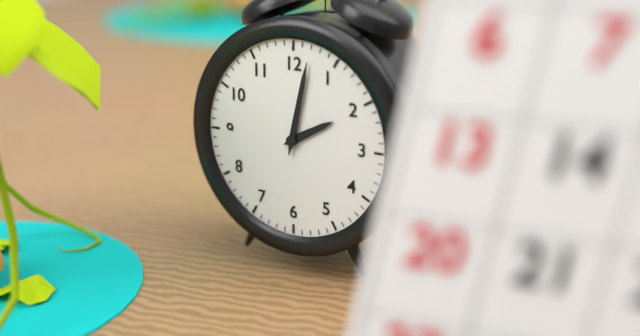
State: 2h02
